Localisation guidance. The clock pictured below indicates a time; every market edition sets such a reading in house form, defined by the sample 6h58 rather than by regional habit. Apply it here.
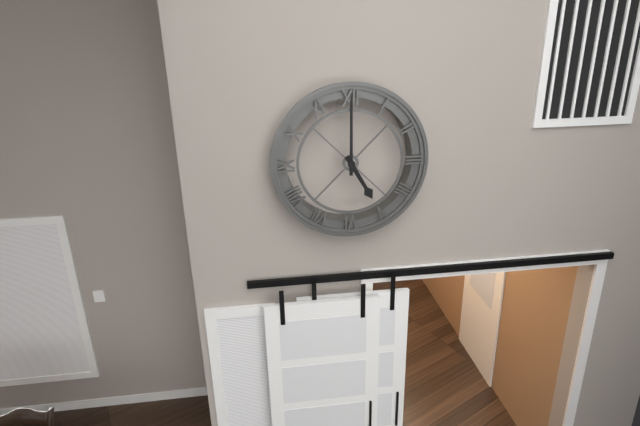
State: 5h00
